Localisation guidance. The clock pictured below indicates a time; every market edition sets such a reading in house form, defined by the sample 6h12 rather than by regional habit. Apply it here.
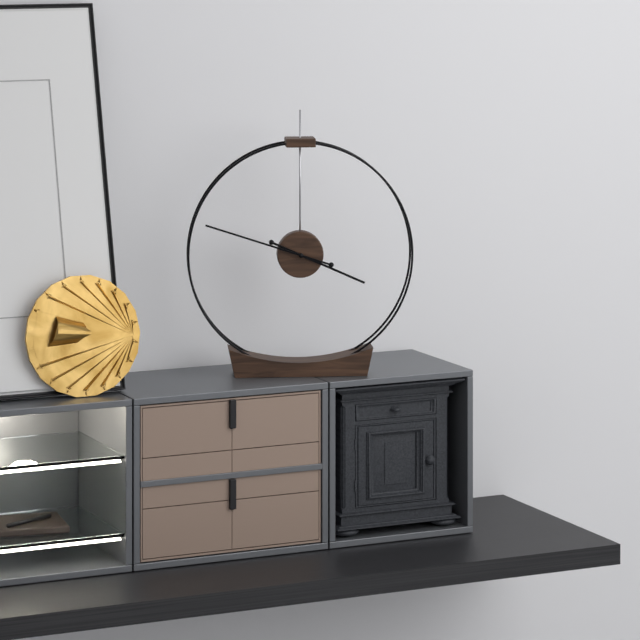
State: 3h48
